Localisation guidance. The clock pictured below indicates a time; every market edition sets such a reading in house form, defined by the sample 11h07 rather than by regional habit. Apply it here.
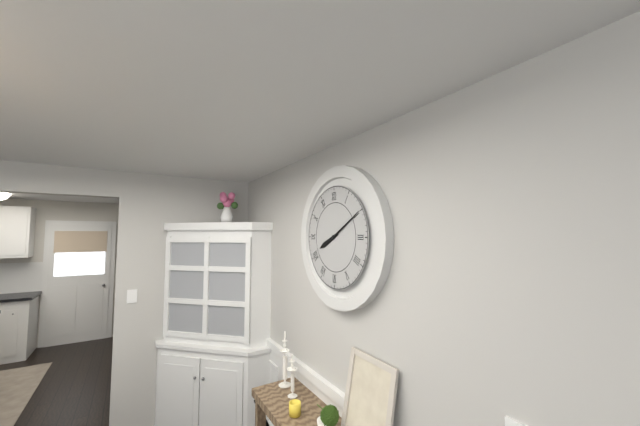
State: 8h10
